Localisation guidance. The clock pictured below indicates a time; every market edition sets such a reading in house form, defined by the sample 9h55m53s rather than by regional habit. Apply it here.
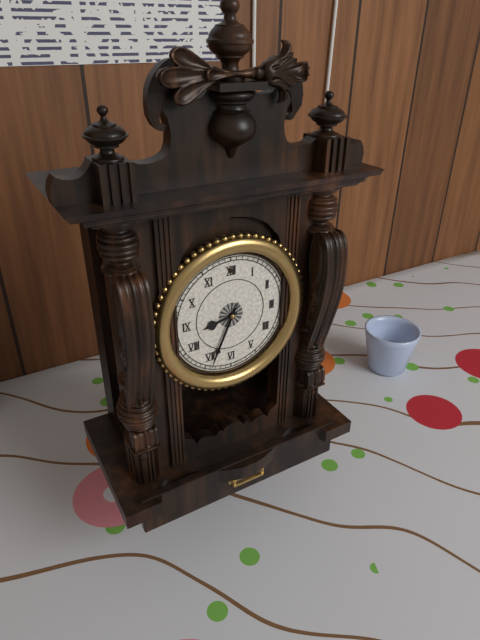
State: 8h34m34s
